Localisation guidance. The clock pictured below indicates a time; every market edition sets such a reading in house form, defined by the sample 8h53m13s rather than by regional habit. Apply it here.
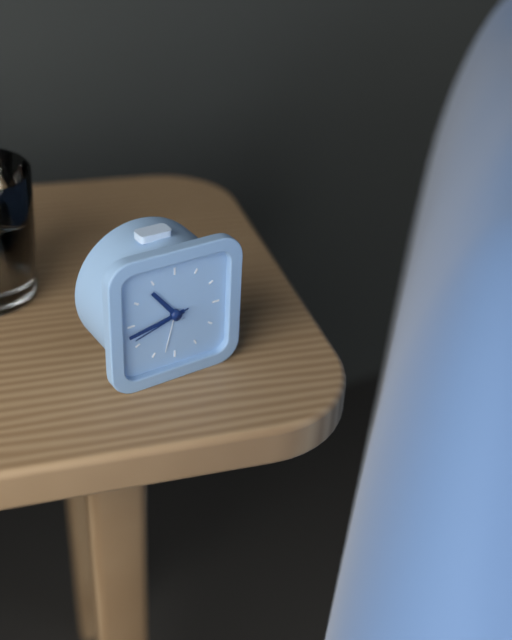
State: 10h43m42s
